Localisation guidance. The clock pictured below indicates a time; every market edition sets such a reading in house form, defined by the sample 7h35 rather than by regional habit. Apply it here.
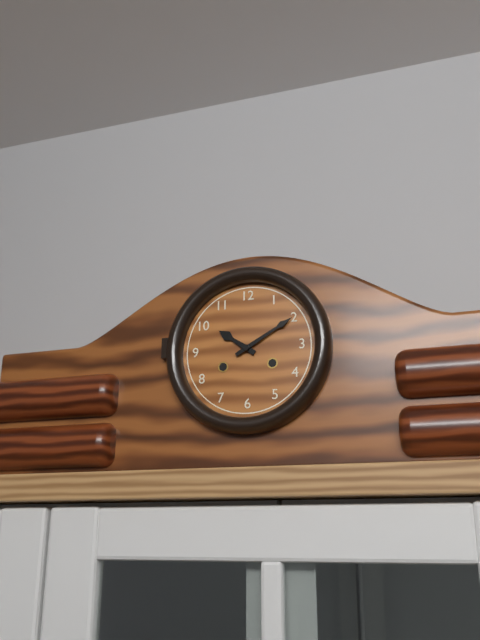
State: 10h10
